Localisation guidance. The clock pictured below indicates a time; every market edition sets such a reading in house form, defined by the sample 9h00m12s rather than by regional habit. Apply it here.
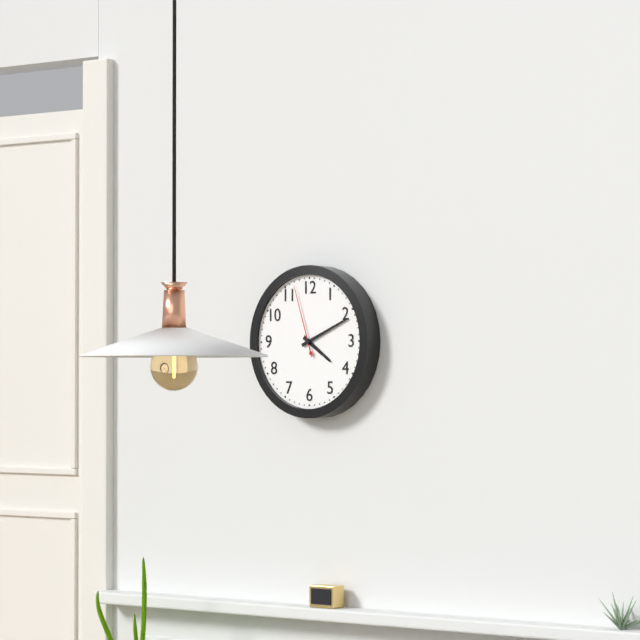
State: 4h11m57s
